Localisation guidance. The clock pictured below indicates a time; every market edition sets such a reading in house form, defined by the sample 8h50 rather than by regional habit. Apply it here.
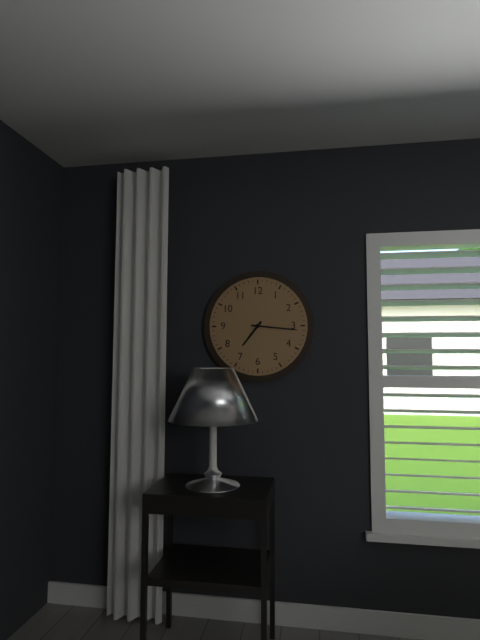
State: 7h16
